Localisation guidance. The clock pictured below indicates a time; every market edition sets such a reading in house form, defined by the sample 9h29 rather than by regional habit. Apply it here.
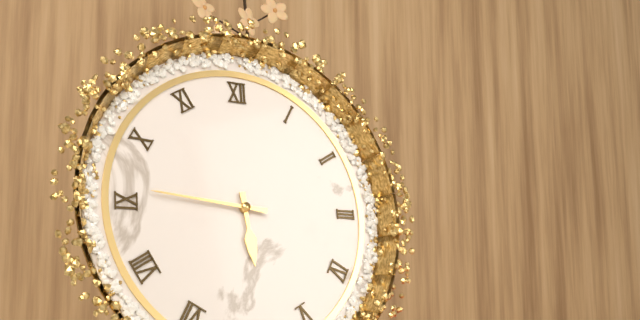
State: 5h46
